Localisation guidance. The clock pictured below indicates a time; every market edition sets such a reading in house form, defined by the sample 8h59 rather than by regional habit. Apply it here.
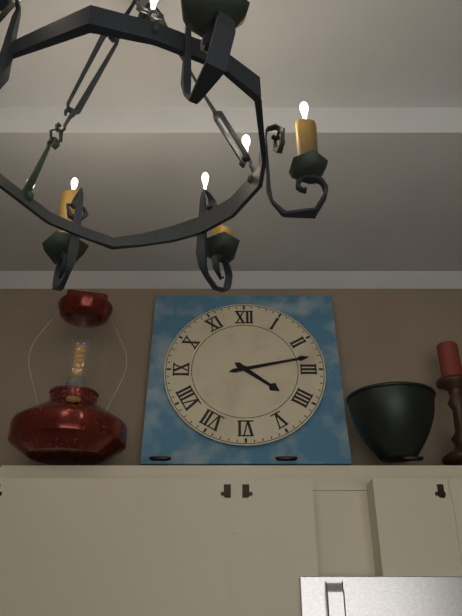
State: 4h13
